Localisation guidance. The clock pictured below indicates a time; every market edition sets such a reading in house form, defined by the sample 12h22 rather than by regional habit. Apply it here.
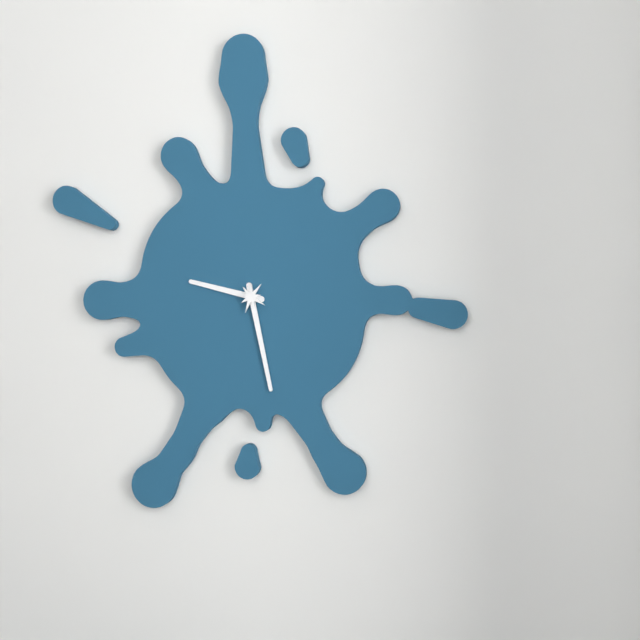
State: 9h28
